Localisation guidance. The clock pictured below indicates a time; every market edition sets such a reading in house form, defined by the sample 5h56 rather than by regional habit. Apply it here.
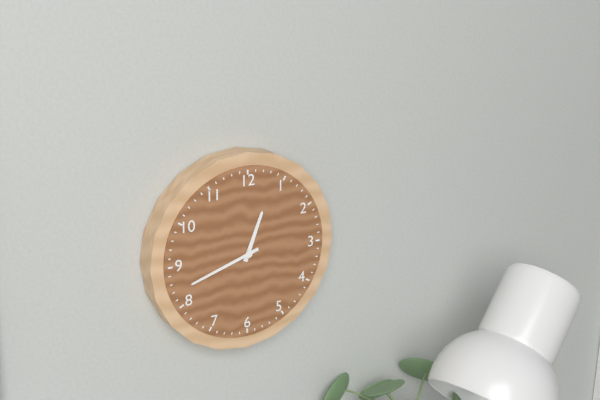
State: 12h42
